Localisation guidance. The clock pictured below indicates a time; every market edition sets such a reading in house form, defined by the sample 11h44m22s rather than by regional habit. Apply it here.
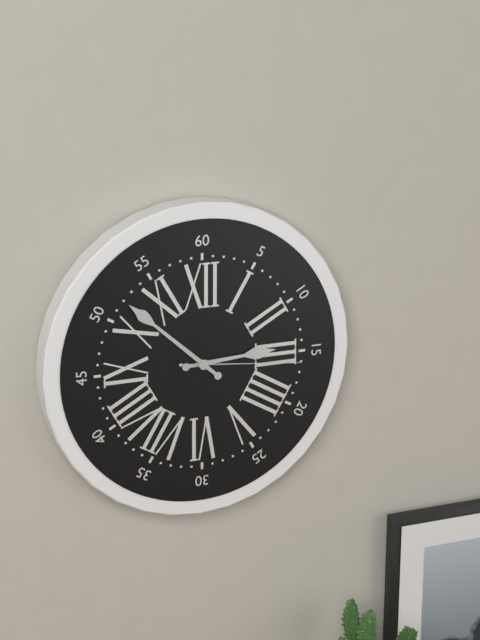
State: 2h52m16s
